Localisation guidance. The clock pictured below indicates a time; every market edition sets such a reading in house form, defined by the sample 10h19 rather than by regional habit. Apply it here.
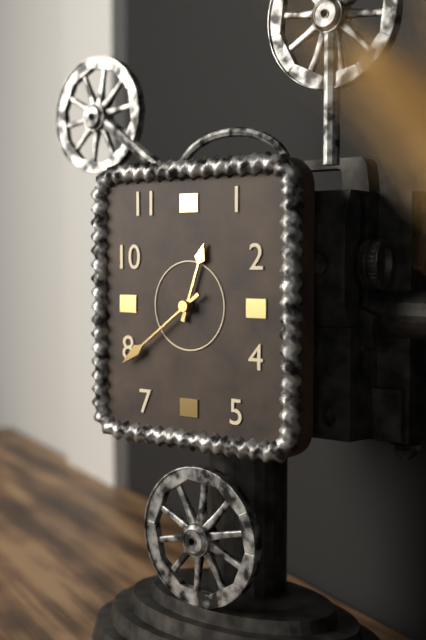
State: 12h39
